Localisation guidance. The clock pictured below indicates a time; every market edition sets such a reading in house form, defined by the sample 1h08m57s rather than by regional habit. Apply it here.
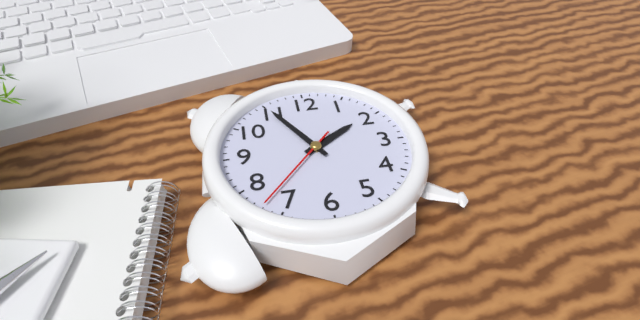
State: 1h55m37s
